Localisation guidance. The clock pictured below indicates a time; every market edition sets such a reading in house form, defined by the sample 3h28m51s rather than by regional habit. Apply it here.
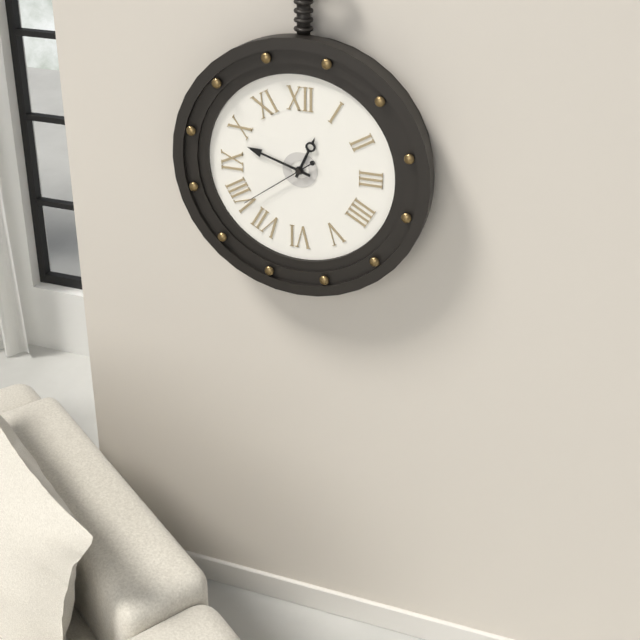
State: 12h48m39s
